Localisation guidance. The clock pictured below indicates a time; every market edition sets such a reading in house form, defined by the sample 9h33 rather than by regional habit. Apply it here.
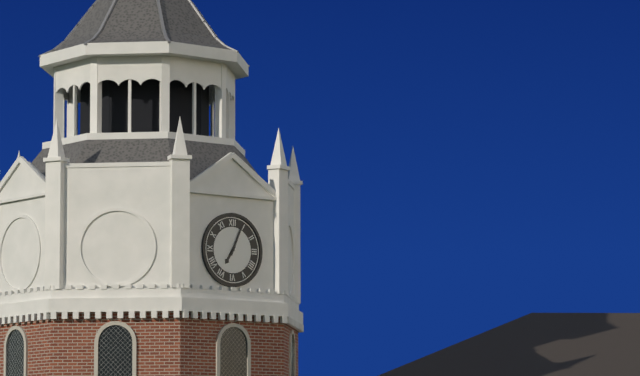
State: 7h04
